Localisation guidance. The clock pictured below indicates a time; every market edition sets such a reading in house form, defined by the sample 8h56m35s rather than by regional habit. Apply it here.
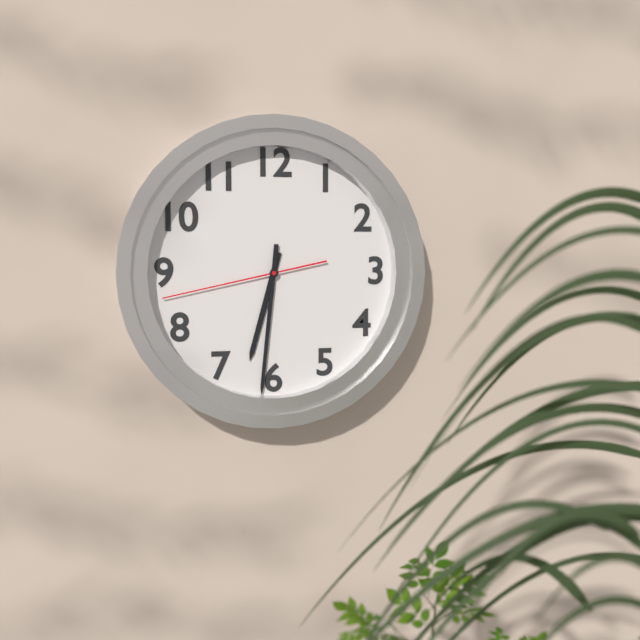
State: 6h31m43s
